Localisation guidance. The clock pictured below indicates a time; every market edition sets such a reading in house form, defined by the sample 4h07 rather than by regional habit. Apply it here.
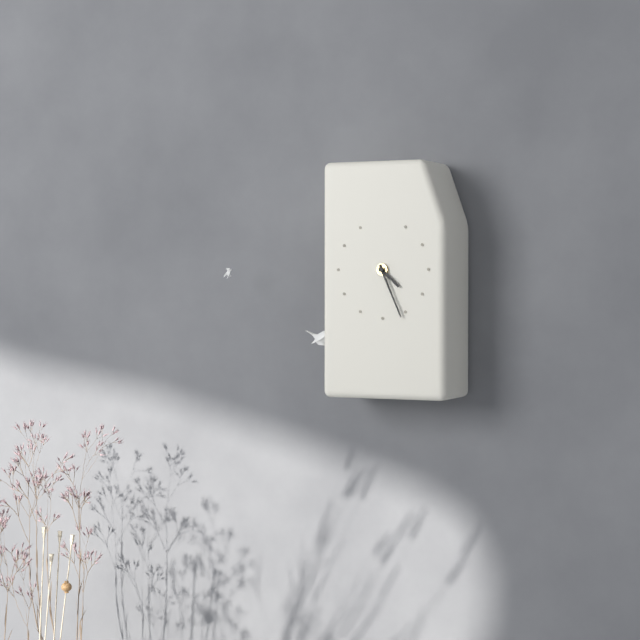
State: 4h26
